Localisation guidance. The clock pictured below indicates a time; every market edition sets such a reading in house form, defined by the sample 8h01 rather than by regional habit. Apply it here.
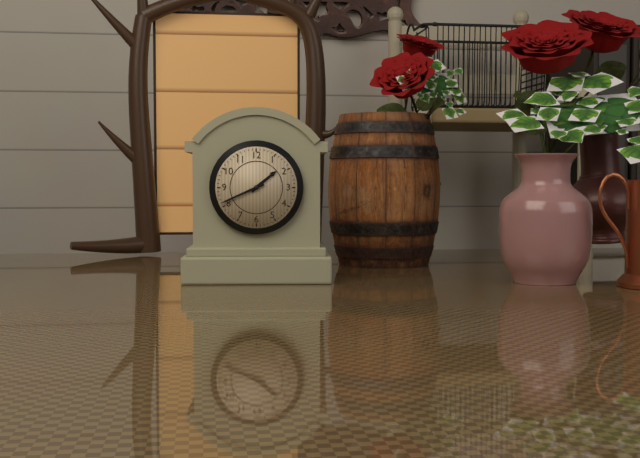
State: 1h41
